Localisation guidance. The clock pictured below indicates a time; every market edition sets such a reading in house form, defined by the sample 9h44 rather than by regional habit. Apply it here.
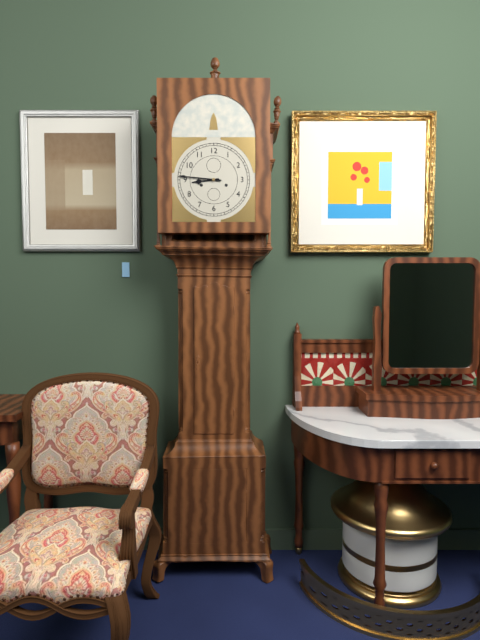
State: 8h46
